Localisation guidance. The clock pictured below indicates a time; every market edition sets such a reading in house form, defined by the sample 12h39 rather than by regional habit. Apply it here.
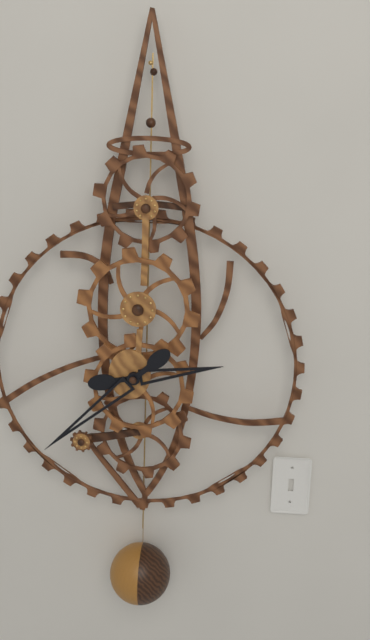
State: 2h38
